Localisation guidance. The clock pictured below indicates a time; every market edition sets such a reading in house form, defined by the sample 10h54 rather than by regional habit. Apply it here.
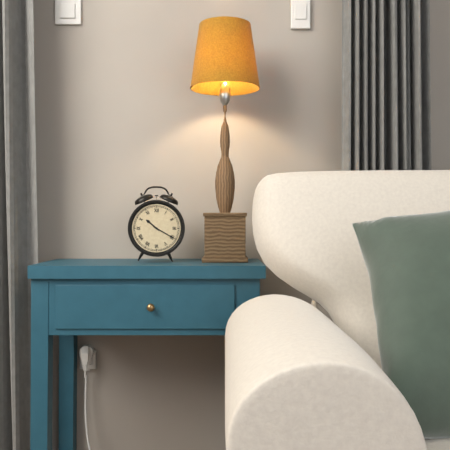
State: 10h20
